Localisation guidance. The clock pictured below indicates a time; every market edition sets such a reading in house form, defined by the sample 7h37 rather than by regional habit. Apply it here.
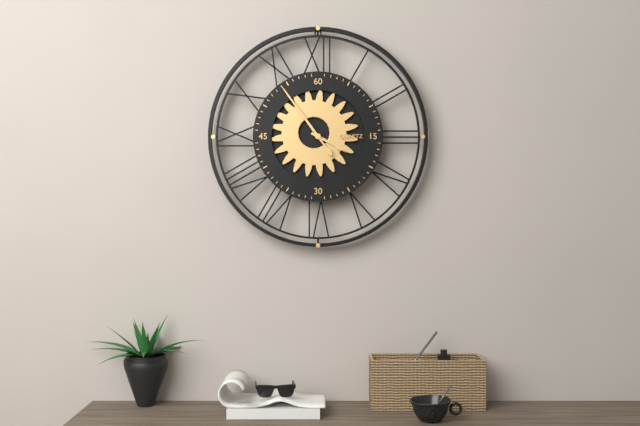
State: 3h54
